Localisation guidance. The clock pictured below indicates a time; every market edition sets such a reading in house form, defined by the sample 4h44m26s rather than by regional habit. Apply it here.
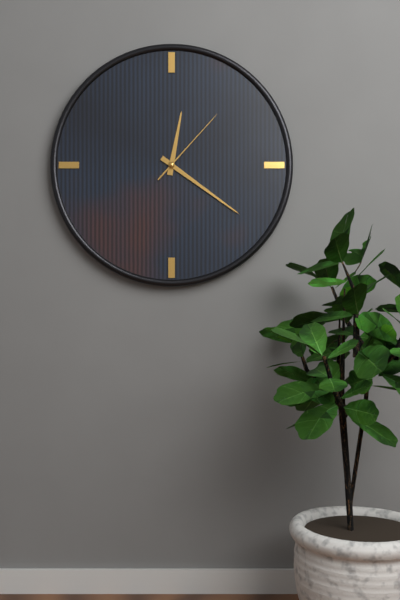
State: 12h21m07s
